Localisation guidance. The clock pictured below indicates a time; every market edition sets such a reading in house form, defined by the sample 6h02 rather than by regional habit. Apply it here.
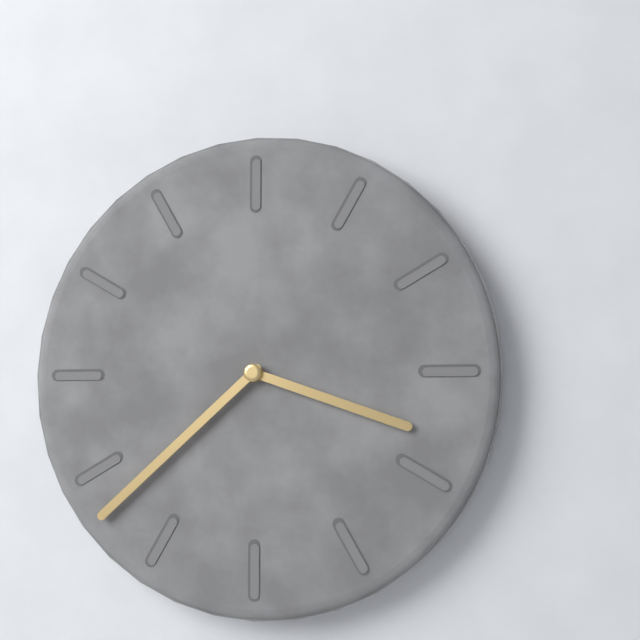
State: 3h38
